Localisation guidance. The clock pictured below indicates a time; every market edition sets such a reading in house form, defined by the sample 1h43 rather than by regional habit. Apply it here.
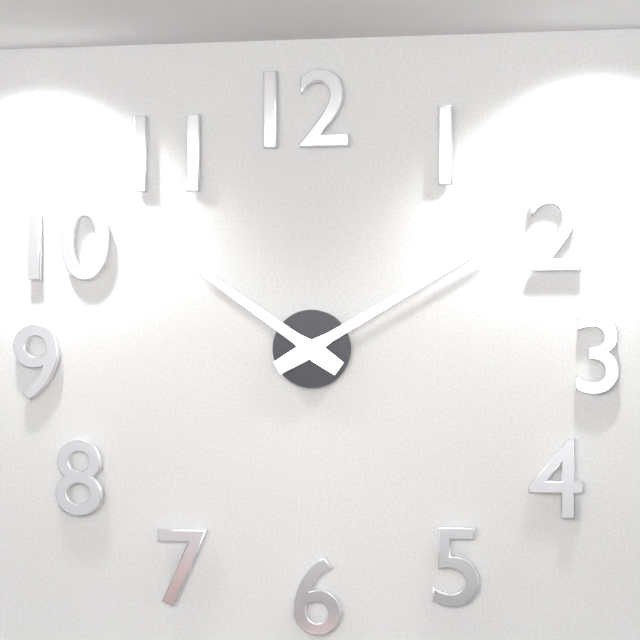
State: 10h10
